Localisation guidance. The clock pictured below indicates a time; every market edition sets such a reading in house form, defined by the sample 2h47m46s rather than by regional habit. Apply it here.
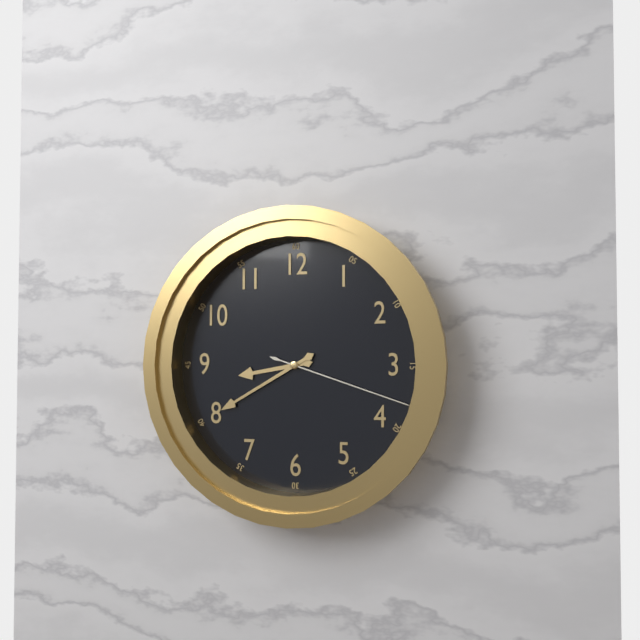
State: 8h40m18s
